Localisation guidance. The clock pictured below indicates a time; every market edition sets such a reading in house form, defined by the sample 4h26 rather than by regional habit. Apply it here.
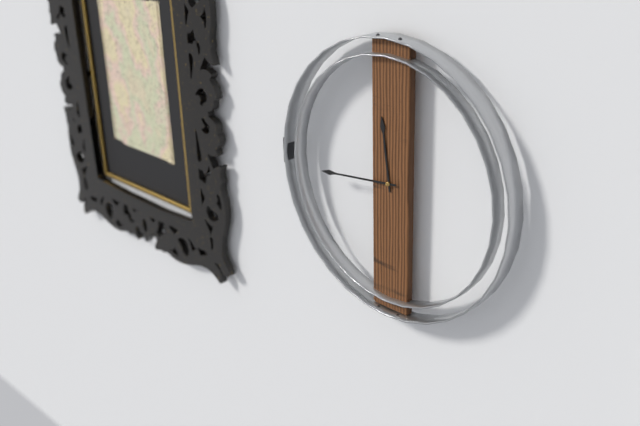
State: 11h44
